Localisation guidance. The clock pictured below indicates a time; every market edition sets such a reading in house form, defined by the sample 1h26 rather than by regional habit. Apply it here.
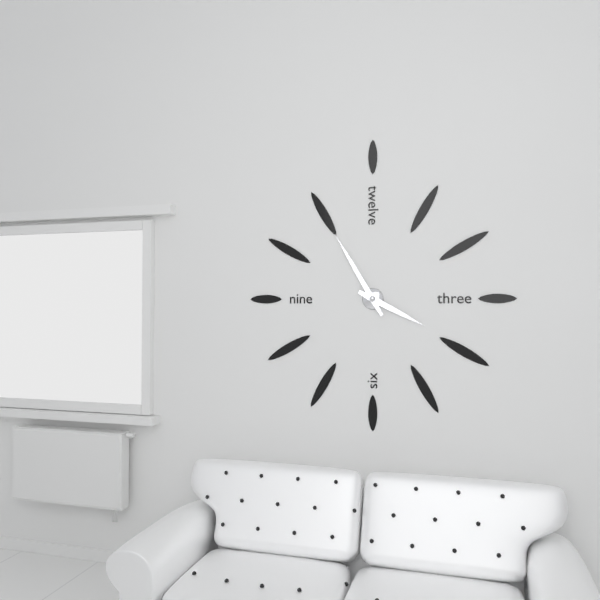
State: 3h55
